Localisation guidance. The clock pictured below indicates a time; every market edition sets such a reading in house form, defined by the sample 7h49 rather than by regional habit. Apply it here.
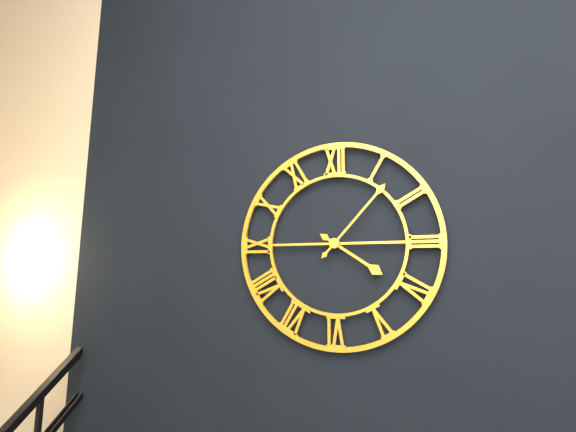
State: 4h07
